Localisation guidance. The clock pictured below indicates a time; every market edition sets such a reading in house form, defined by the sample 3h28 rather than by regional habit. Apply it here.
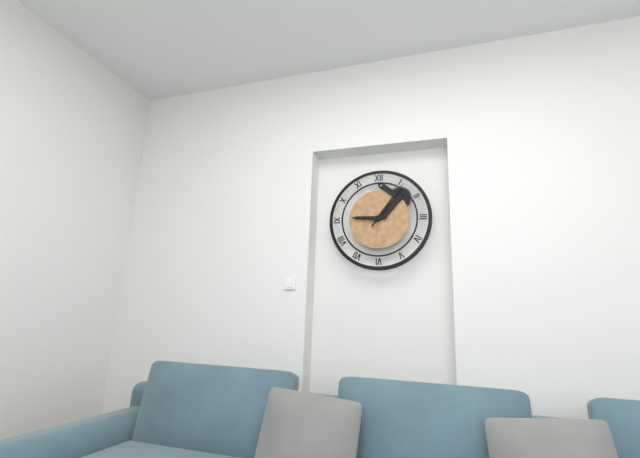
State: 9h06
